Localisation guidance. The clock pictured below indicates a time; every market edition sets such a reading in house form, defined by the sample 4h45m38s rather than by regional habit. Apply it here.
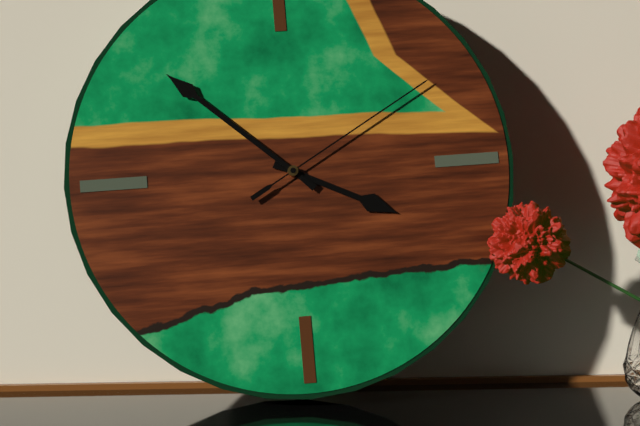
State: 3h52m10s
